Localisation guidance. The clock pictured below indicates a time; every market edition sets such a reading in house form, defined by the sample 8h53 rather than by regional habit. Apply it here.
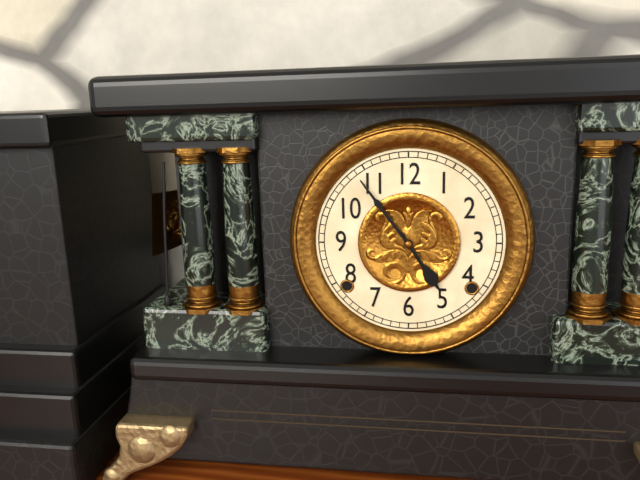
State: 4h54
